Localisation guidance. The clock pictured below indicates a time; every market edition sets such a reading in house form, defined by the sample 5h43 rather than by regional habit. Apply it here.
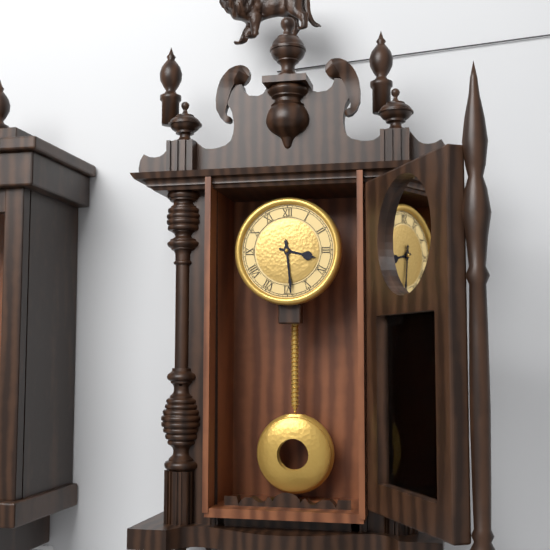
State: 3h29
